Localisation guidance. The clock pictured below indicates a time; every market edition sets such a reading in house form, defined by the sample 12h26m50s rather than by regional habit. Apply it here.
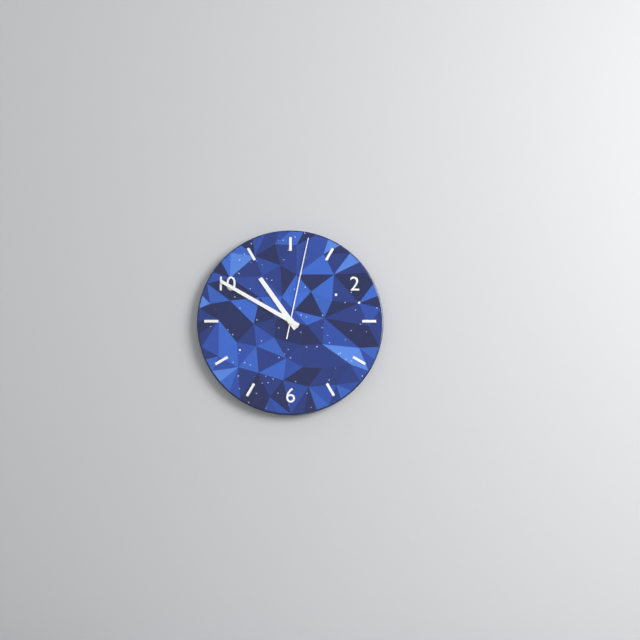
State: 10h50m02s
